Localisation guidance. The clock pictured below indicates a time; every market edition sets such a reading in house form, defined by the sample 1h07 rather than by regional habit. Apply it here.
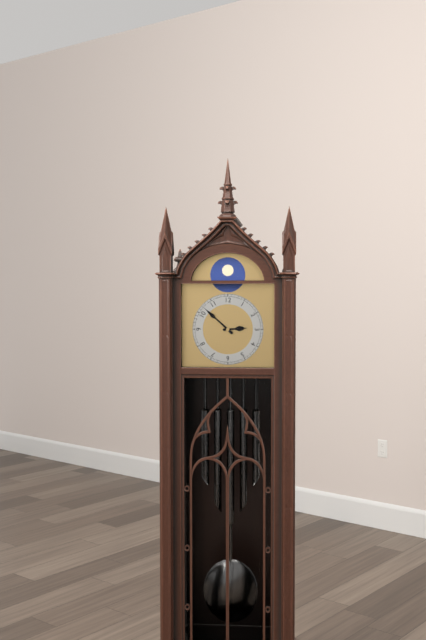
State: 2h52
